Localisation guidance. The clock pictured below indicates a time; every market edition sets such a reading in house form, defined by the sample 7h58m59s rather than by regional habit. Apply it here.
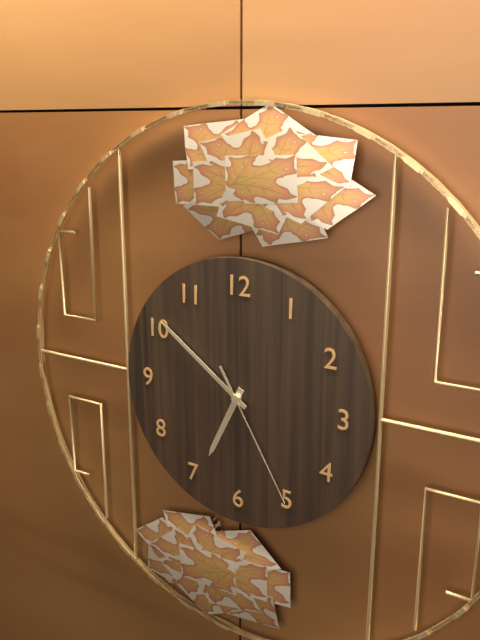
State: 6h51m25s
